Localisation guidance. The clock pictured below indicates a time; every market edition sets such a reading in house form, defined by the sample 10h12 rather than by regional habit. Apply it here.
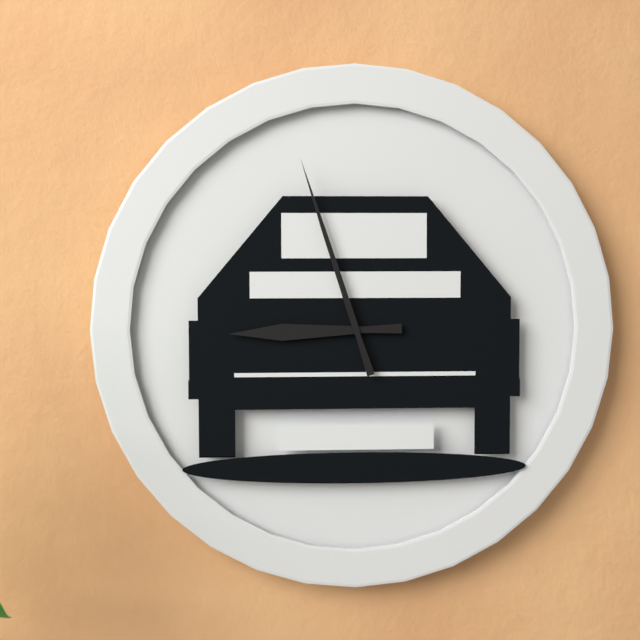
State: 8h57
